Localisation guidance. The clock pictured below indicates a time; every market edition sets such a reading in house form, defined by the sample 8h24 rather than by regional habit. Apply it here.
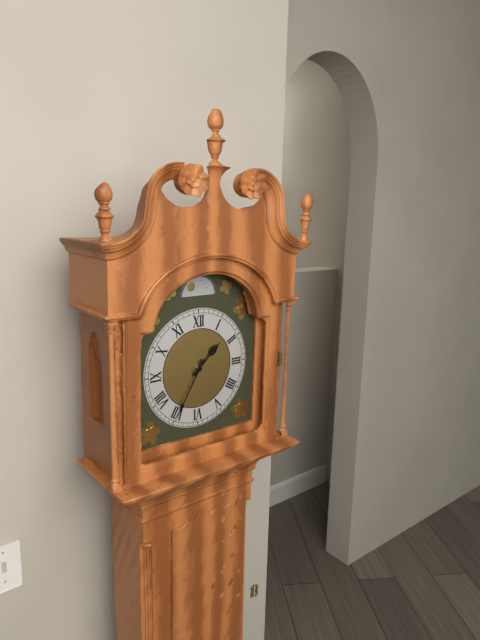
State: 1h35
